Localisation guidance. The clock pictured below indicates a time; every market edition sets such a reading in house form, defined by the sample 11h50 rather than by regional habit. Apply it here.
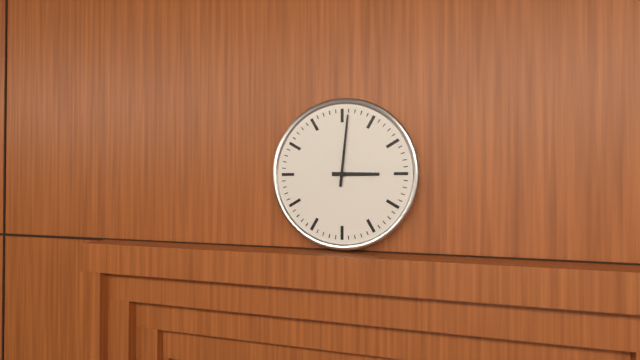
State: 3h01
